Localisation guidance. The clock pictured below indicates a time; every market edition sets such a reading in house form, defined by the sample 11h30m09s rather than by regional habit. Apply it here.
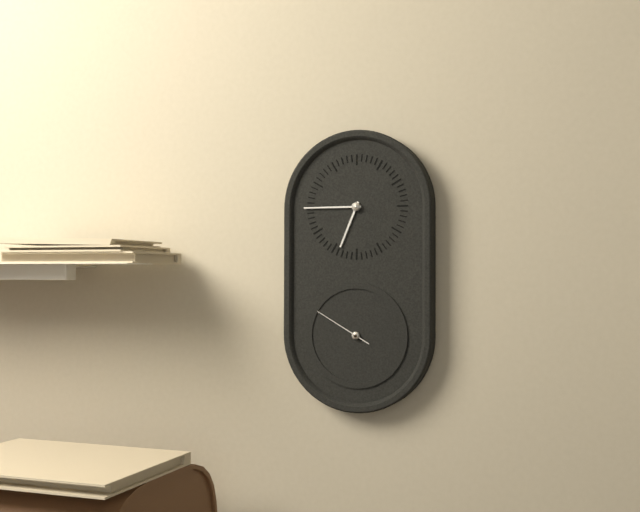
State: 6h45m50s
